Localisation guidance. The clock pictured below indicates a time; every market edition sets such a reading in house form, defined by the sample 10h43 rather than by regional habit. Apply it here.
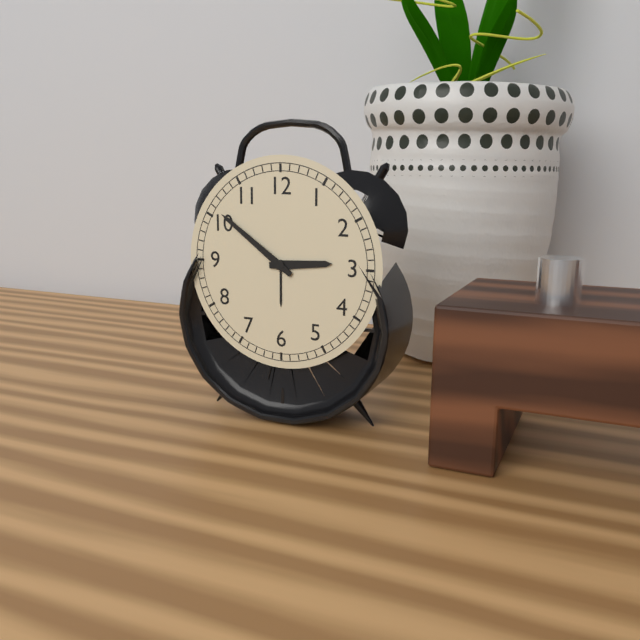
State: 2h51
